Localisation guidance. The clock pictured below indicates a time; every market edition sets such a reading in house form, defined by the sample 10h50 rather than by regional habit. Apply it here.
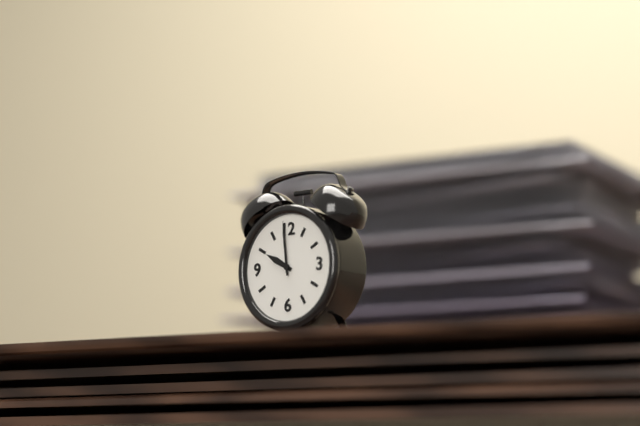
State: 9h59
